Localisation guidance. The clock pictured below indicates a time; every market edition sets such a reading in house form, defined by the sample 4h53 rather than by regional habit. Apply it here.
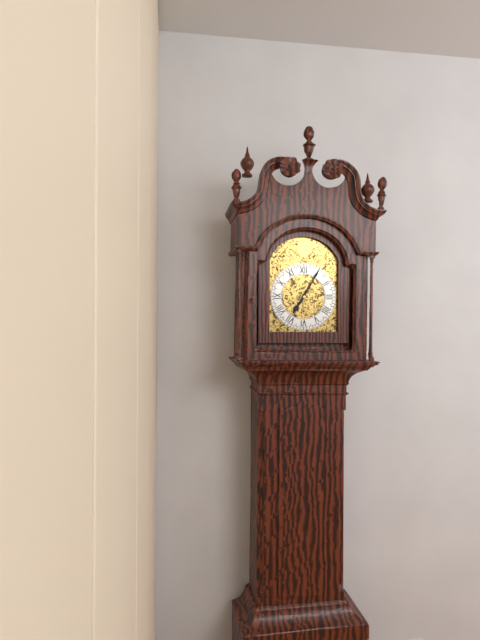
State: 7h05
